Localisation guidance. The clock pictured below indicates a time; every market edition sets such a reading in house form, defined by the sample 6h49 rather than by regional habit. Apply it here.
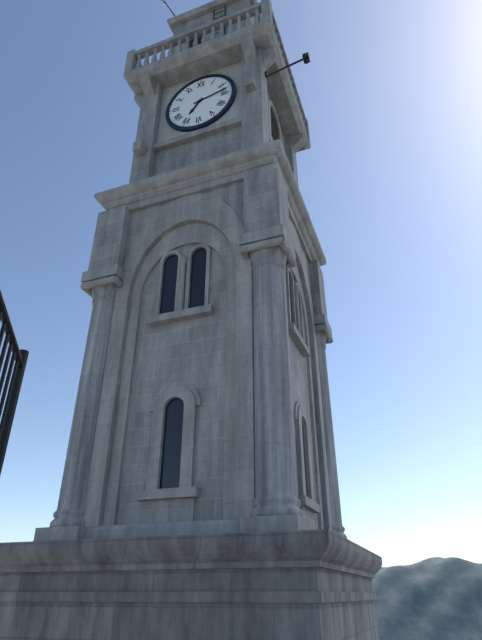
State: 7h13
